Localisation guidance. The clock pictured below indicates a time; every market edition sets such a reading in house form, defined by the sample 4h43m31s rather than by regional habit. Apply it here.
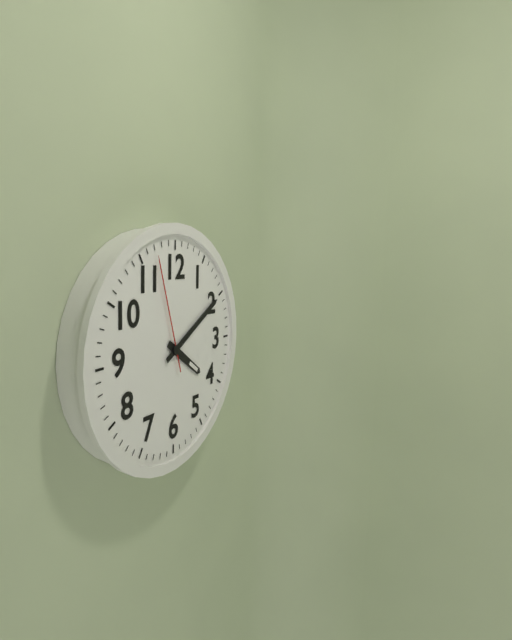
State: 4h10m57s
